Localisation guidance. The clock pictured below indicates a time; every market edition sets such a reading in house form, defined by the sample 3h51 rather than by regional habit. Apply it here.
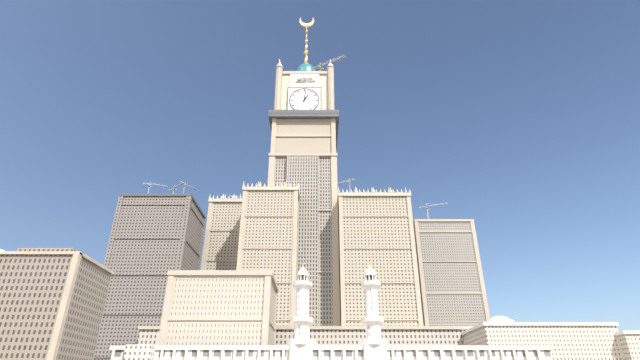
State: 1h01
